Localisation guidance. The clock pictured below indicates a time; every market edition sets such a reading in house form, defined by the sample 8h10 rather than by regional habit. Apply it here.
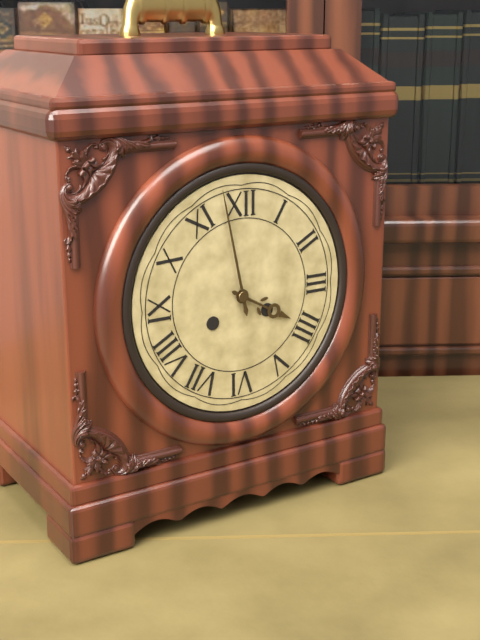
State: 3h58
